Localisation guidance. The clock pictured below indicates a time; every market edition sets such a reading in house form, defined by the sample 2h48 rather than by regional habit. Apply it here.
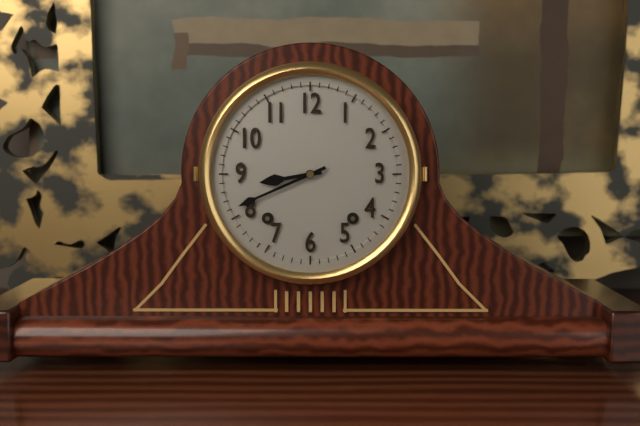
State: 8h41
